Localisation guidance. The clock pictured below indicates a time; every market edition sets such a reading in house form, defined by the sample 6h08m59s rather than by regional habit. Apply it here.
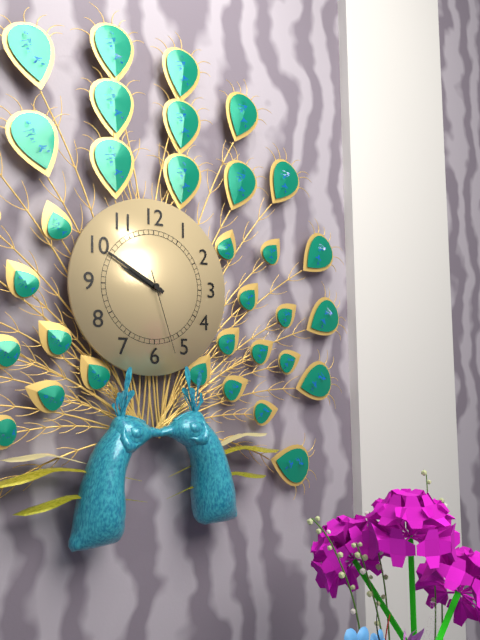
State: 9h50m27s
